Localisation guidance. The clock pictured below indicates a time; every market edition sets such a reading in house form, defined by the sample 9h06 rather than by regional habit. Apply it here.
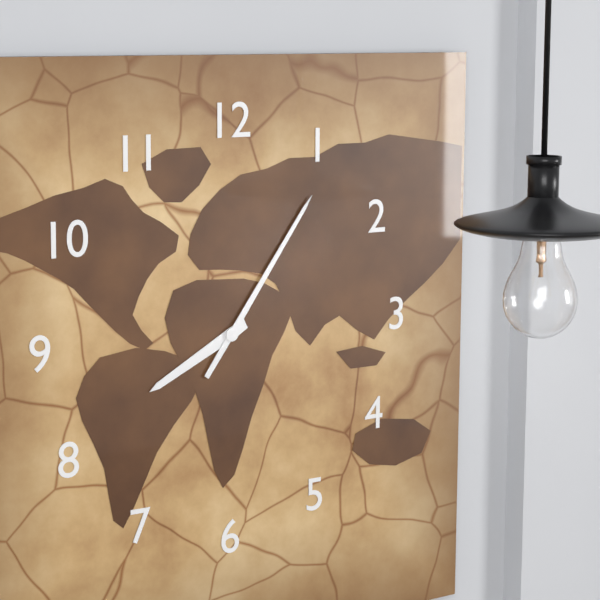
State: 8h06
